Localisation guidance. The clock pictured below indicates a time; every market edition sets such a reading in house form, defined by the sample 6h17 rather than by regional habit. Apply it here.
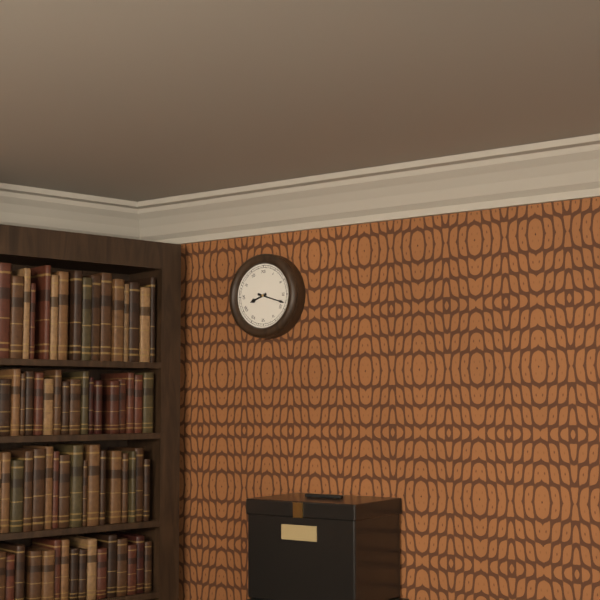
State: 8h18
